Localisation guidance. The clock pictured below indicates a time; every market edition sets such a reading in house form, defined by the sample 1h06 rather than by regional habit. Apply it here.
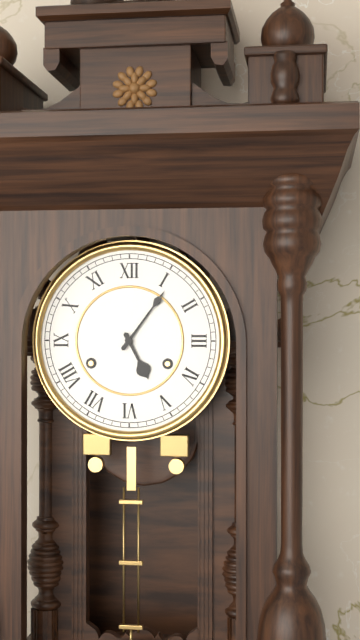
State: 5h06
